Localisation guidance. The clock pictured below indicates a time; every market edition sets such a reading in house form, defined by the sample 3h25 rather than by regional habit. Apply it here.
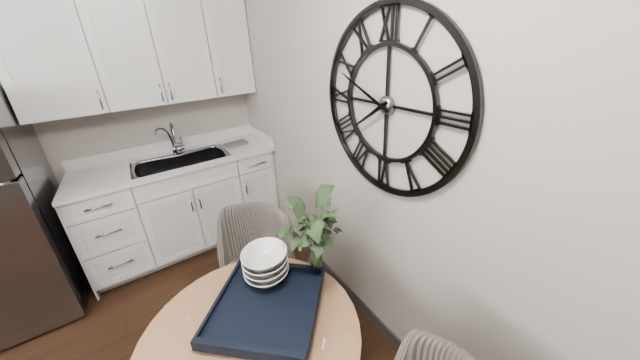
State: 7h49
